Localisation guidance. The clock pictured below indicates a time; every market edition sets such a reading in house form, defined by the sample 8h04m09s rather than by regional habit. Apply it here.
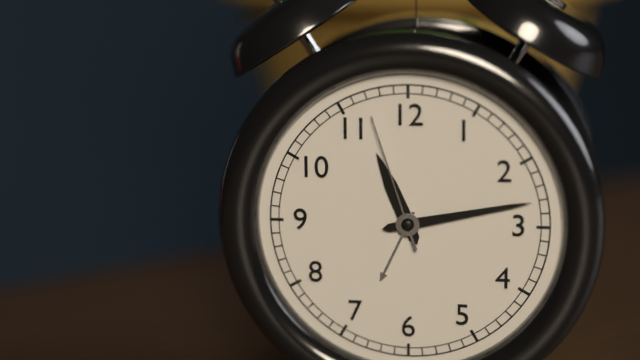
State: 11h13m57s
